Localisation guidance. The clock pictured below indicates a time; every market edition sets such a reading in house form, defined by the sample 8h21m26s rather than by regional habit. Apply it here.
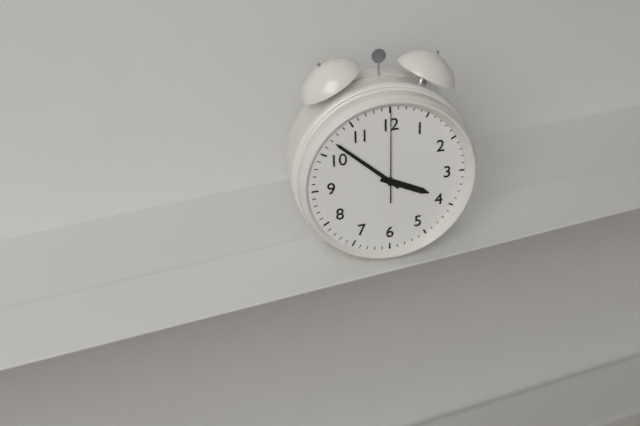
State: 3h52m00s
